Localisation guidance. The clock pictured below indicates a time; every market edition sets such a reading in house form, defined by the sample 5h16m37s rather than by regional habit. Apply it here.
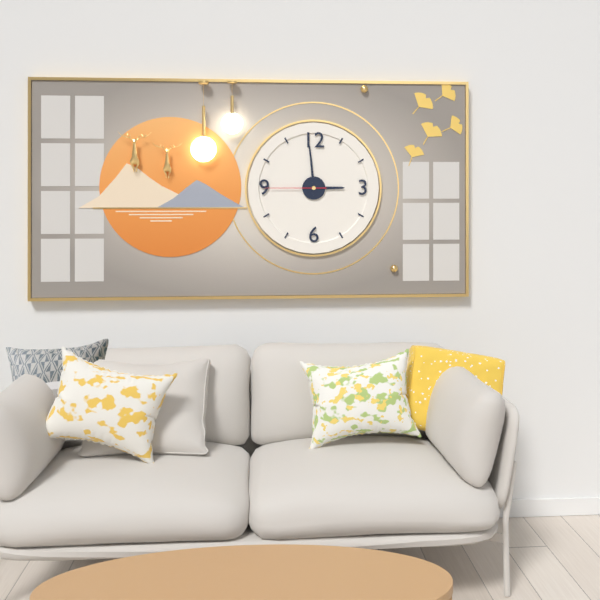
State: 2h59m45s
